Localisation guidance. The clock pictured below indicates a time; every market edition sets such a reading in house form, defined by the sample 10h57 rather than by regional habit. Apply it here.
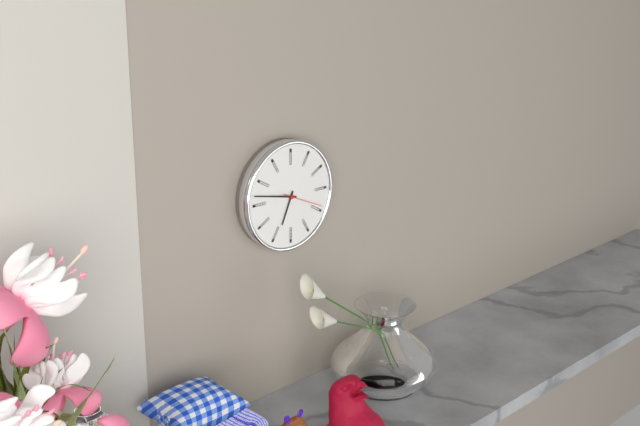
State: 6h47
